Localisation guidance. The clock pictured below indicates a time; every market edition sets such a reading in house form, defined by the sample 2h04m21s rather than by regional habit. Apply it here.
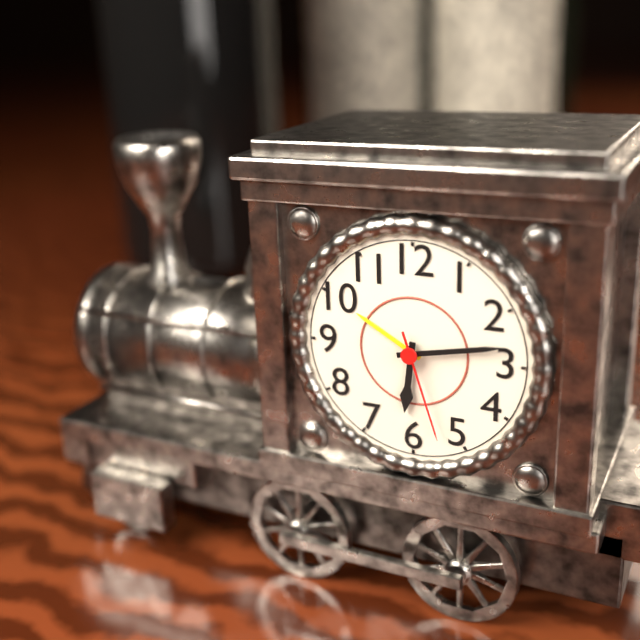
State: 6h13m27s
